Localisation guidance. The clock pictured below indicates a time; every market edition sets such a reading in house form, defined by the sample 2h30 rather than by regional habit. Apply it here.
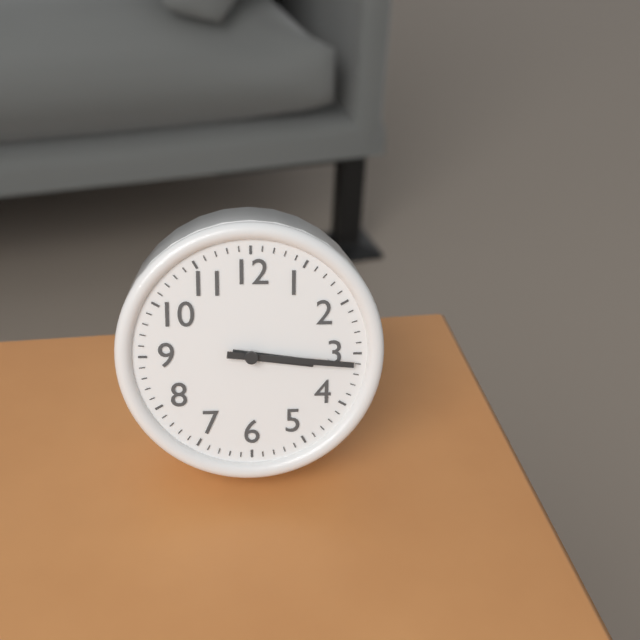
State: 3h16
